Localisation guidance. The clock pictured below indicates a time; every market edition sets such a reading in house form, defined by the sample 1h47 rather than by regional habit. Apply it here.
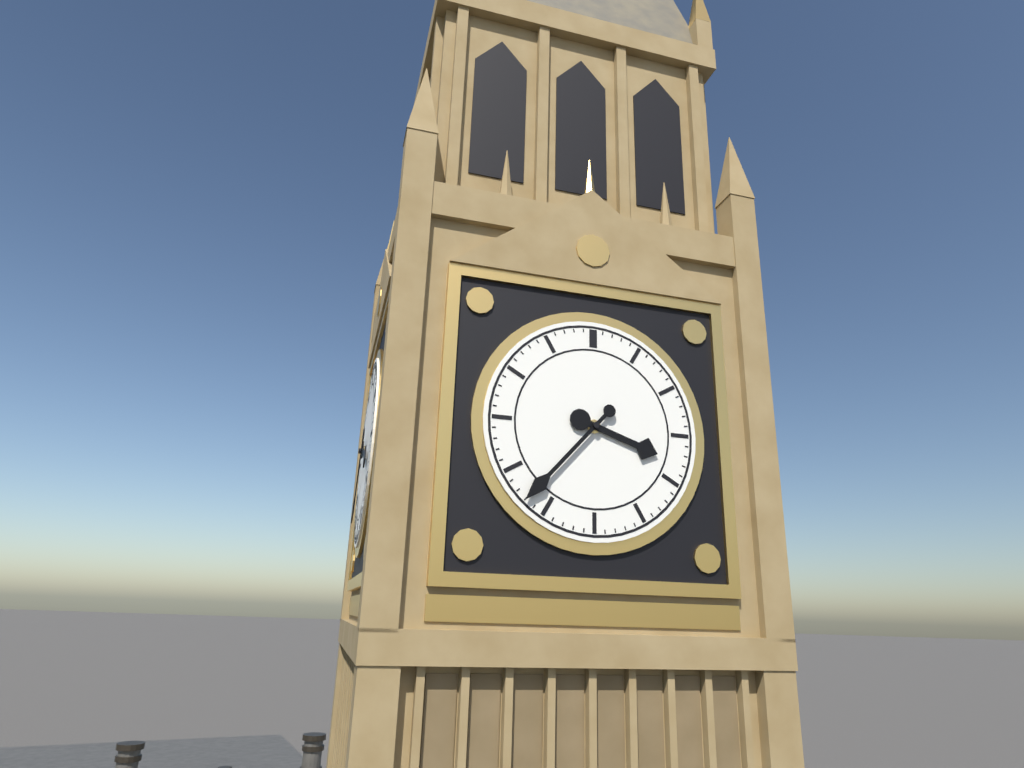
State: 3h37
